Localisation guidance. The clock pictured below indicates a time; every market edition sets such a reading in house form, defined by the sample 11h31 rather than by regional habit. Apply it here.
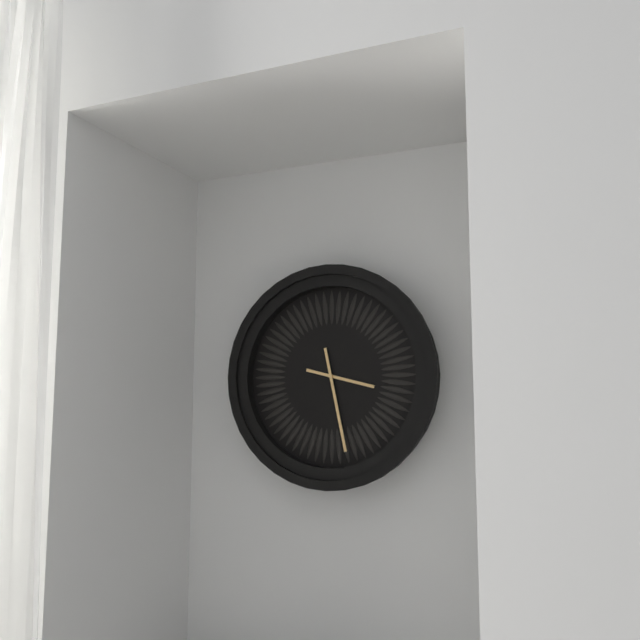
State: 3h28
